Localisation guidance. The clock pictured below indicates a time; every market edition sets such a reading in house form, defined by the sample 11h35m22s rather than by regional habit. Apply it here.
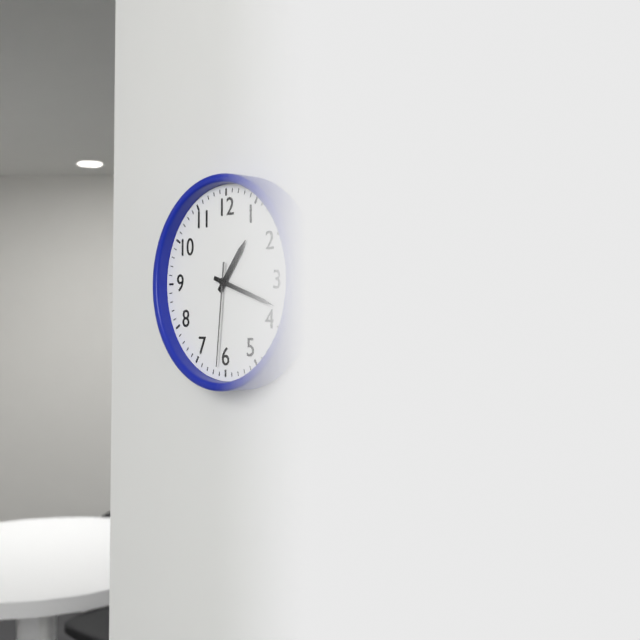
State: 1h18m31s
